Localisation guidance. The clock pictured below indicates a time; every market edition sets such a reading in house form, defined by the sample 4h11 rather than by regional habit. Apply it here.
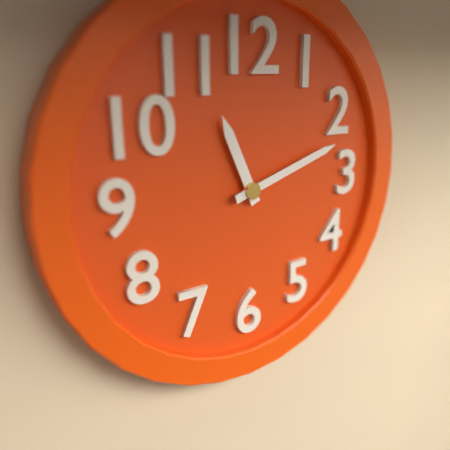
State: 11h12
